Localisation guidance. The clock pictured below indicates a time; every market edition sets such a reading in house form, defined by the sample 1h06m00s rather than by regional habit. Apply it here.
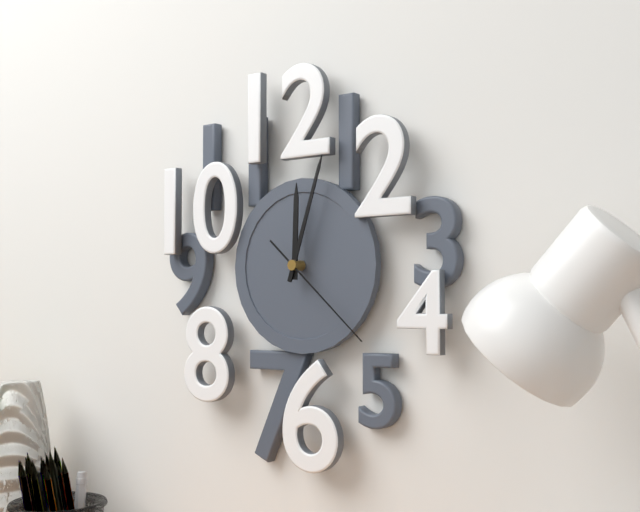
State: 12h03m22s
